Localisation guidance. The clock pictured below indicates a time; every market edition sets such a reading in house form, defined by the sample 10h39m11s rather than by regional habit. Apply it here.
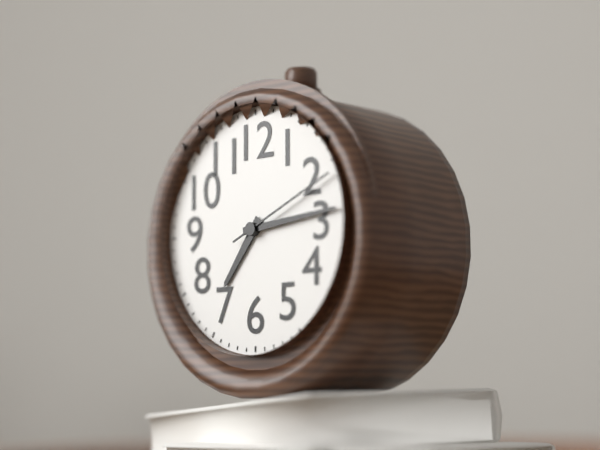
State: 7h14m11s
